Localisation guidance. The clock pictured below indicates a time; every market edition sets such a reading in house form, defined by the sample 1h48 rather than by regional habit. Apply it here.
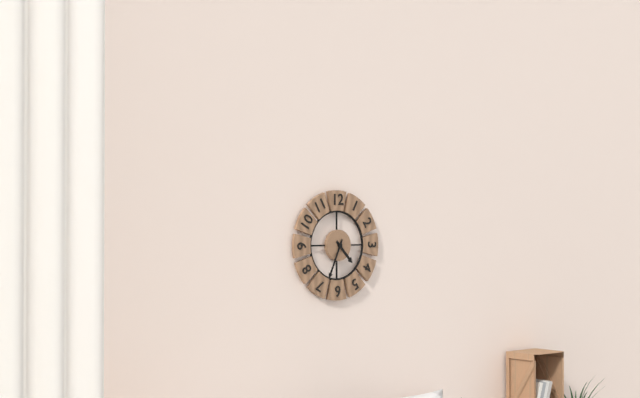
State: 4h34
